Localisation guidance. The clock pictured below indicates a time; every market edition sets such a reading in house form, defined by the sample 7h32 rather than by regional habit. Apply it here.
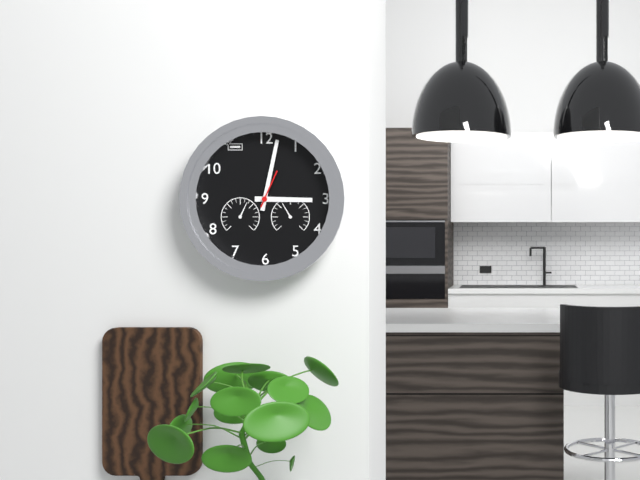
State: 3h02
